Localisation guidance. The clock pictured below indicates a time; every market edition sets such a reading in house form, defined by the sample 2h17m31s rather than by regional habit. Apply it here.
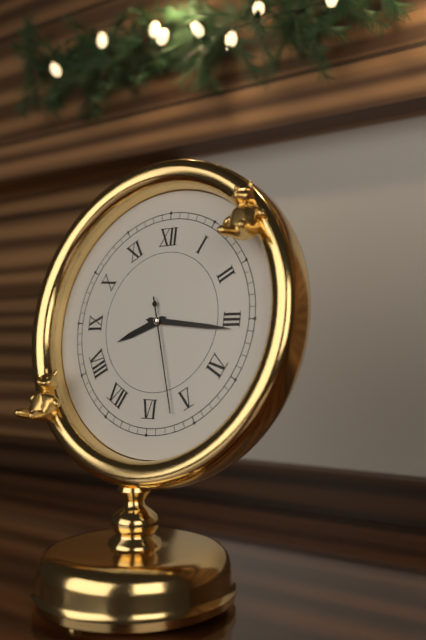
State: 8h16m27s
